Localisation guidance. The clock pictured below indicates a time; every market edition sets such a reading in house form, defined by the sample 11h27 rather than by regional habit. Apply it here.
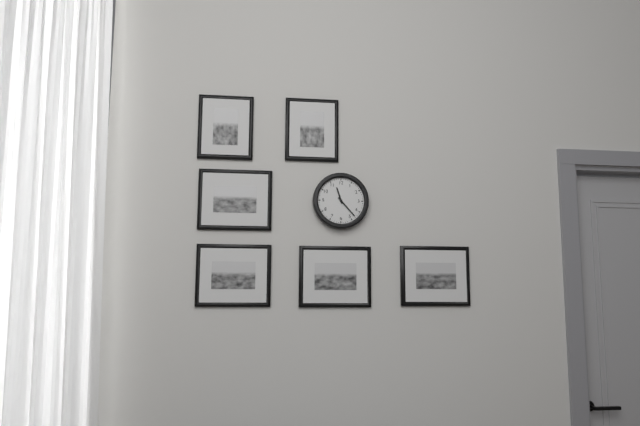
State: 11h23
